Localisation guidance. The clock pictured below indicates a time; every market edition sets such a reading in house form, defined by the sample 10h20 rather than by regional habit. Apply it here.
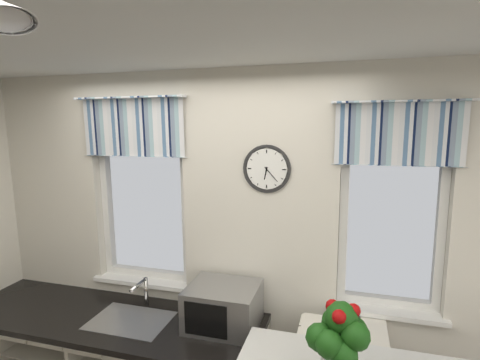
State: 6h23
